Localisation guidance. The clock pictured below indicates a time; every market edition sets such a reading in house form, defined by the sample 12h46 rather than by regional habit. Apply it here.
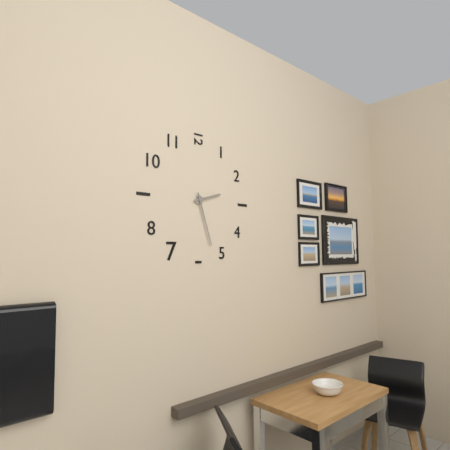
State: 2h27
